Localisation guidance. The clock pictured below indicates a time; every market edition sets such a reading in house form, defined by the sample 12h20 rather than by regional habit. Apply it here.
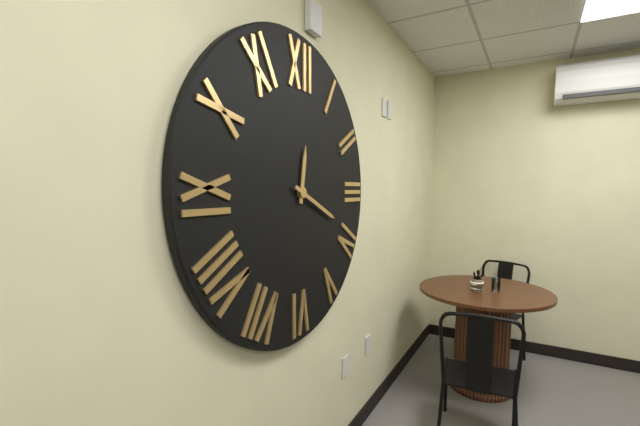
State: 12h19
